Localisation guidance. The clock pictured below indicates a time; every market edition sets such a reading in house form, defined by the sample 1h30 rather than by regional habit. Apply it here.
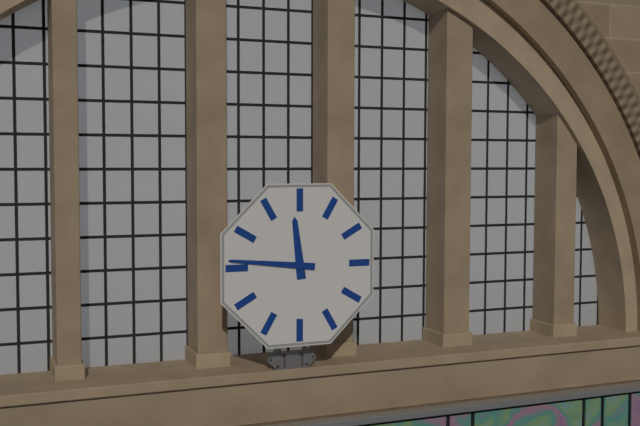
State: 11h46
